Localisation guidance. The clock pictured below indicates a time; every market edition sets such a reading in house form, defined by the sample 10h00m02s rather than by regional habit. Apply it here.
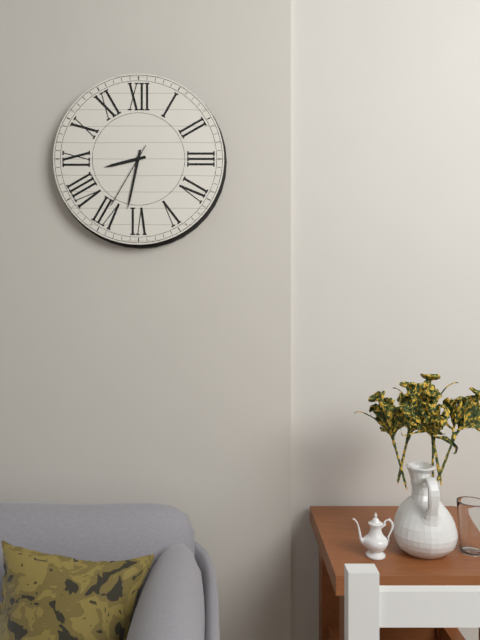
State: 8h32m35s
